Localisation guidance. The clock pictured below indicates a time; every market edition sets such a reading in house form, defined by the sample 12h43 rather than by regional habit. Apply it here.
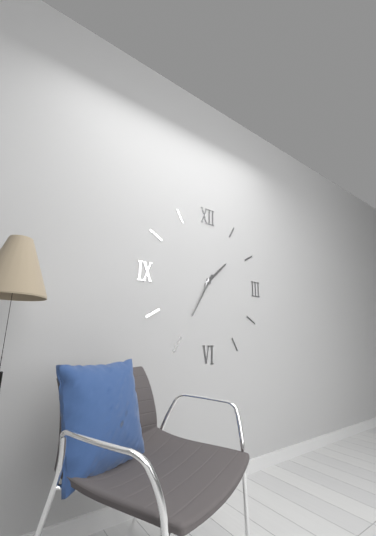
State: 1h35
